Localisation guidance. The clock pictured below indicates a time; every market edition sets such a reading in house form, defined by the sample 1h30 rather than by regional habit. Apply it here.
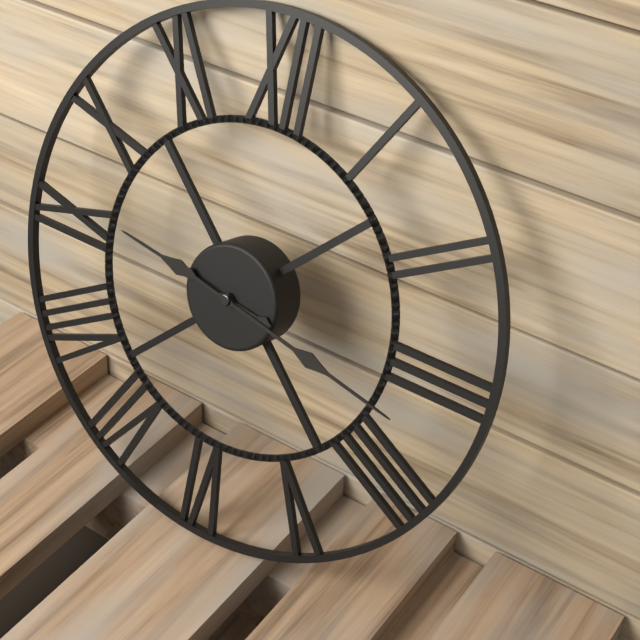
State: 9h17
